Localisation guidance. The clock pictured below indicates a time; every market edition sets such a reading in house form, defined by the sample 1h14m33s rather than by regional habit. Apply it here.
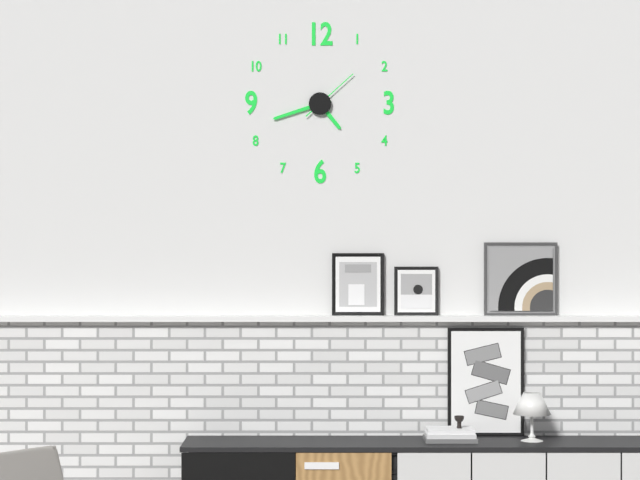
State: 4h42m08s
